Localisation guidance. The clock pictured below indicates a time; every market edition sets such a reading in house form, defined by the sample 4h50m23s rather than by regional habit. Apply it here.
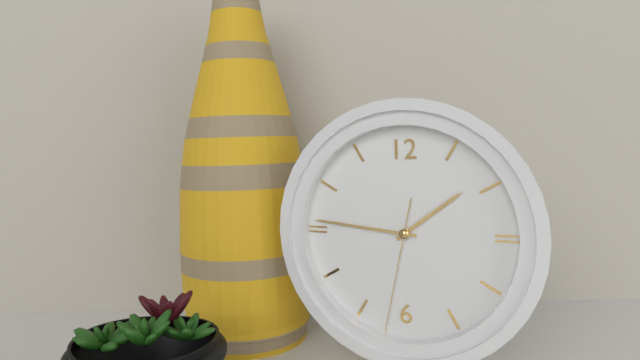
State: 1h46m32s
